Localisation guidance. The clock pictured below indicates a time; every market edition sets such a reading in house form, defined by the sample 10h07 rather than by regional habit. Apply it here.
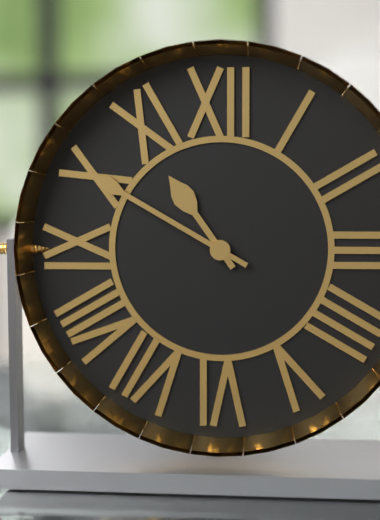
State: 10h50
